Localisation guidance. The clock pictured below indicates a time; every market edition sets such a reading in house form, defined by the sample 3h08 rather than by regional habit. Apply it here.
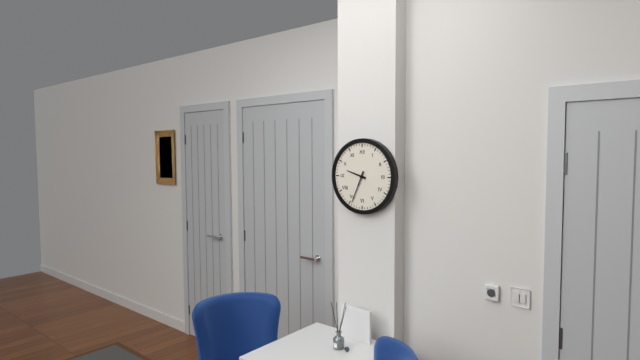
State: 9h34
